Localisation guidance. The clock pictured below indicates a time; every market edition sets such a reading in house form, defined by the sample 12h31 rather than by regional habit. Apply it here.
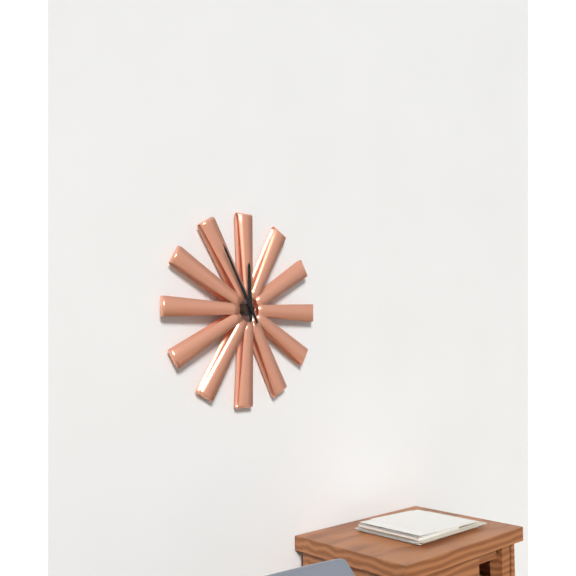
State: 11h55
